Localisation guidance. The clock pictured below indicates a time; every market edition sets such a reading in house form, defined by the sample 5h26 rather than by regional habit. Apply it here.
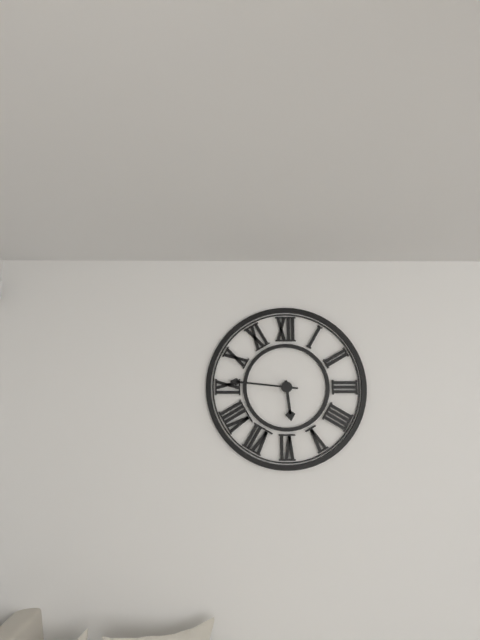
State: 5h46
